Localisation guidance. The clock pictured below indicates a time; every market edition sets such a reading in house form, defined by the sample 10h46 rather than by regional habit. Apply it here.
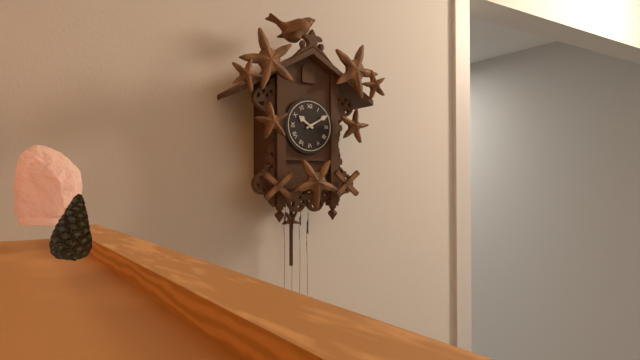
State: 10h10
